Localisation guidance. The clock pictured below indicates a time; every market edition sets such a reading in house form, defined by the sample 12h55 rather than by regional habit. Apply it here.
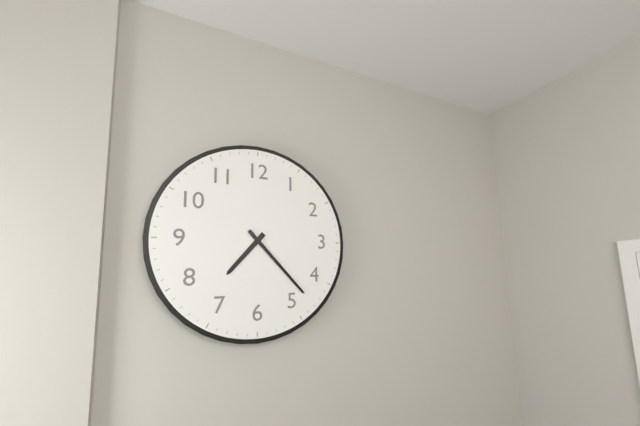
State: 7h23
